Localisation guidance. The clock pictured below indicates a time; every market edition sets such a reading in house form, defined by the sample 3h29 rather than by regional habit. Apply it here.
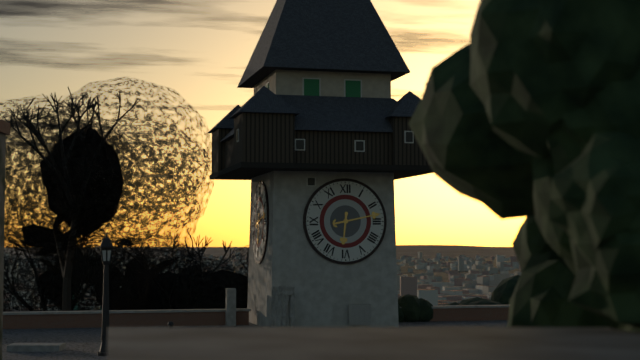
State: 6h13
